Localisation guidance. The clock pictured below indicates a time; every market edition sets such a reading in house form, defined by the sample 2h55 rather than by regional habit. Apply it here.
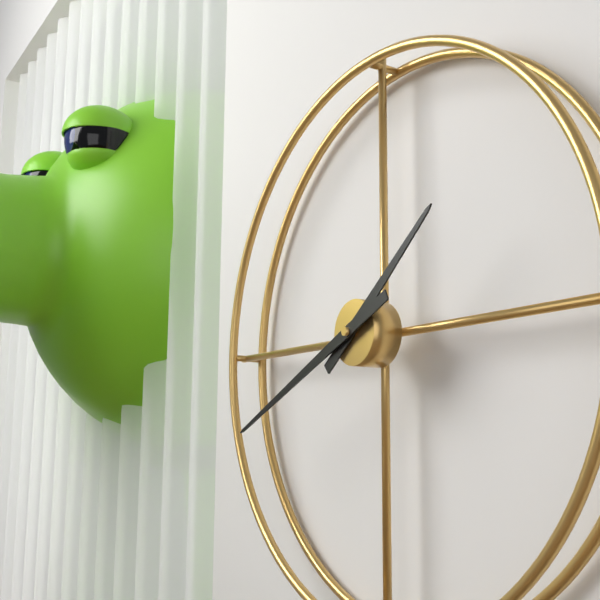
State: 1h41
